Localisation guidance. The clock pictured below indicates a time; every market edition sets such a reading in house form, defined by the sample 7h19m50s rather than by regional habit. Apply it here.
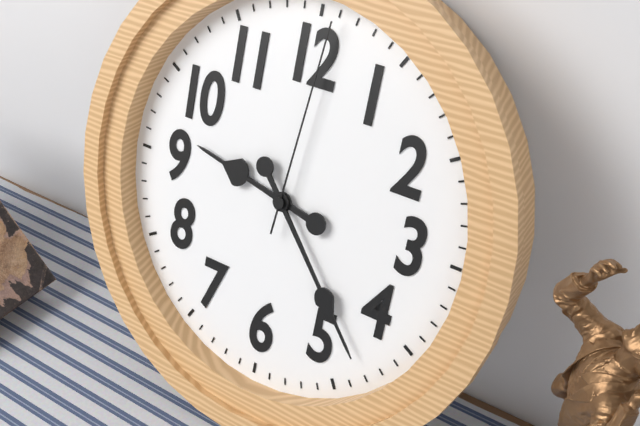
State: 9h23m01s
